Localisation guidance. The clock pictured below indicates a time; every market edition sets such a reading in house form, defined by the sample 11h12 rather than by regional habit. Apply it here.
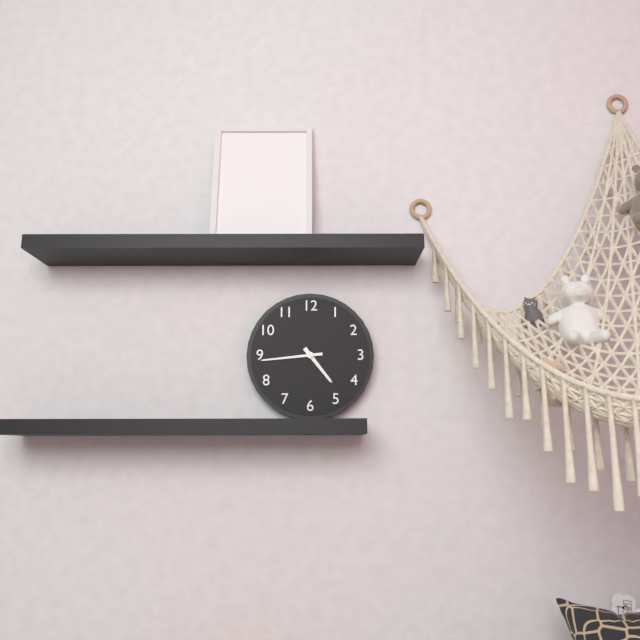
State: 4h44
